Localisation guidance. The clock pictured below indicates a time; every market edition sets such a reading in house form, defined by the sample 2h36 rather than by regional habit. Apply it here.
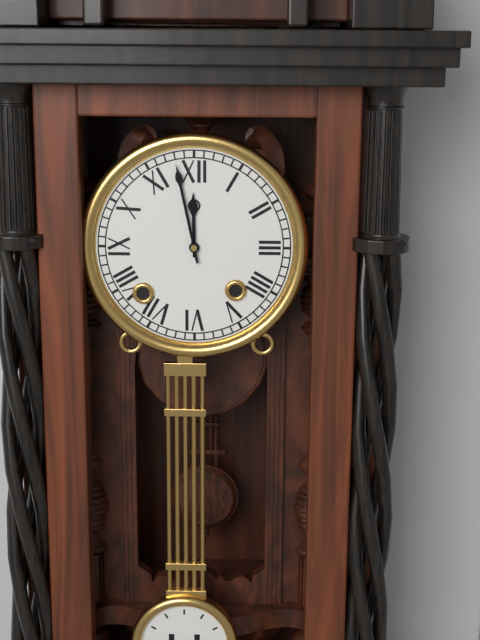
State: 11h58
